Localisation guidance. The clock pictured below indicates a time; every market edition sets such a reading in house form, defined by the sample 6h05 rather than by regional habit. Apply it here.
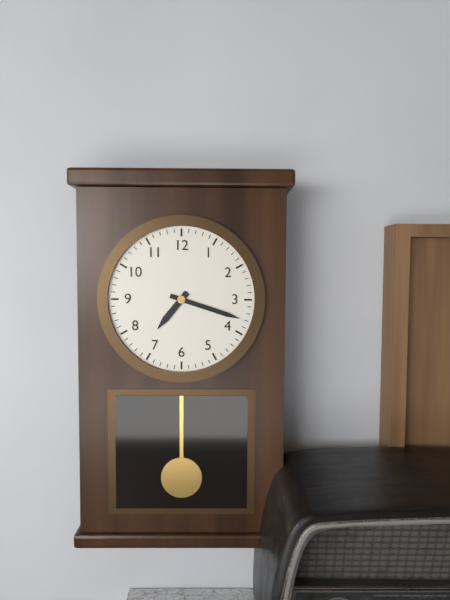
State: 7h18
